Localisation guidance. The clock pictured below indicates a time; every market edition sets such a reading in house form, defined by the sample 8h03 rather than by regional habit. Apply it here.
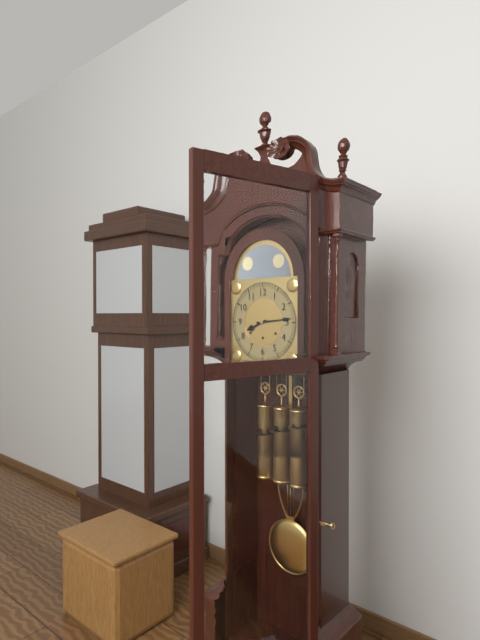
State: 8h14
